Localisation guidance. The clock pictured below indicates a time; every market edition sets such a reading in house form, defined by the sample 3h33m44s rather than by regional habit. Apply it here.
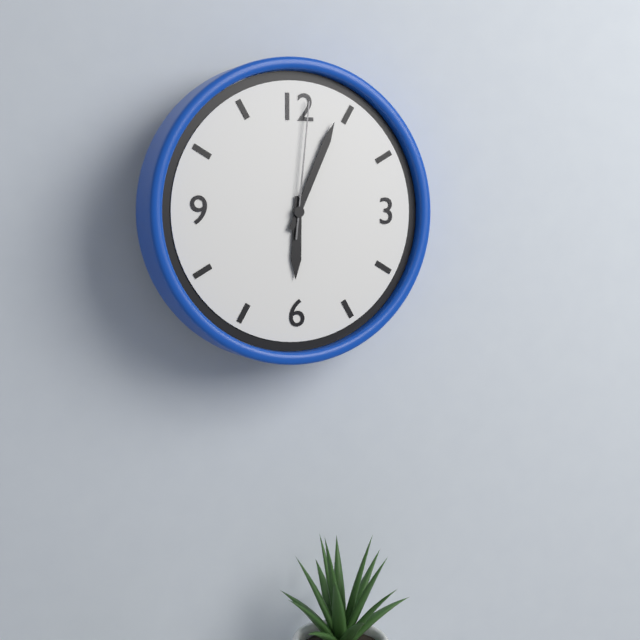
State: 6h04m01s
